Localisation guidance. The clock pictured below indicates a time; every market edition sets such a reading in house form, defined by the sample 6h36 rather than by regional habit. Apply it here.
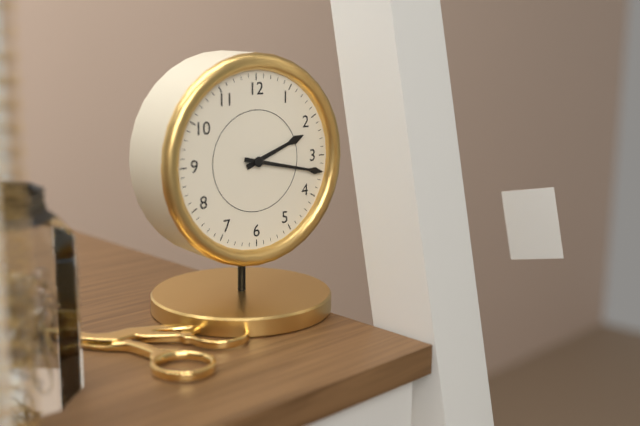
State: 2h17
